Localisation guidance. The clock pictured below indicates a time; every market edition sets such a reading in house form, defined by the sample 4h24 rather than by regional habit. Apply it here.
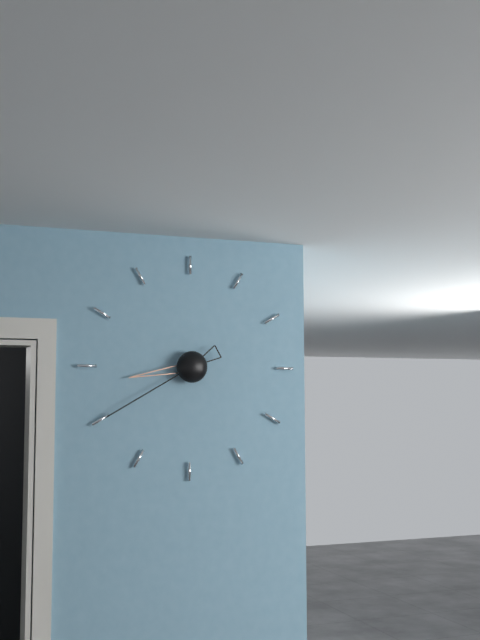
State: 8h40
